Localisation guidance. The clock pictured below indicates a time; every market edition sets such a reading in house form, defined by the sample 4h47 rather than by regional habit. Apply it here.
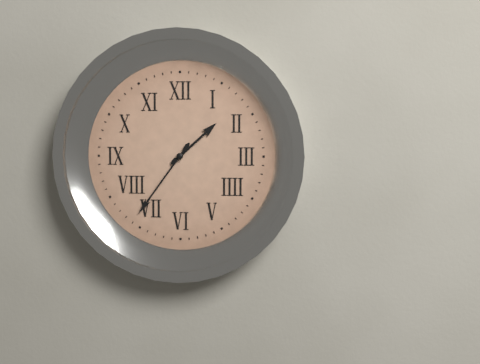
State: 1h36
